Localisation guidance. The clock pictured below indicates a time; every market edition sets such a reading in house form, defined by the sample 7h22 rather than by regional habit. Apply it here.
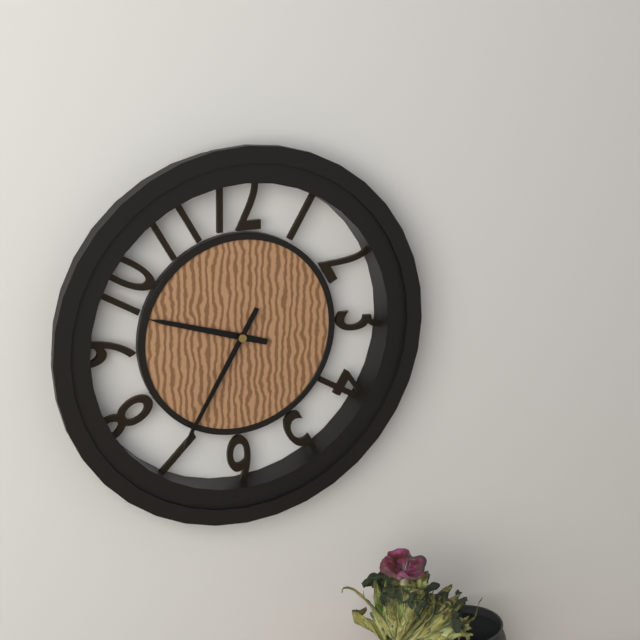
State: 9h35
